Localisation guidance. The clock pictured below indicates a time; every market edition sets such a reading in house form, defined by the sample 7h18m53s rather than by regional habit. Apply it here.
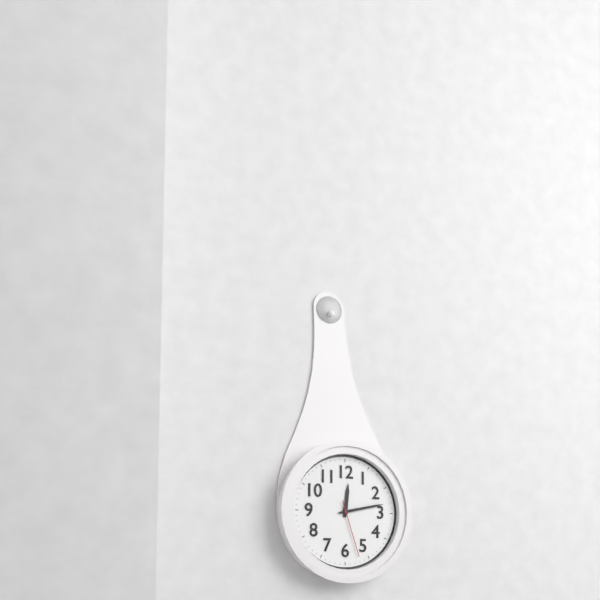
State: 12h13m27s
